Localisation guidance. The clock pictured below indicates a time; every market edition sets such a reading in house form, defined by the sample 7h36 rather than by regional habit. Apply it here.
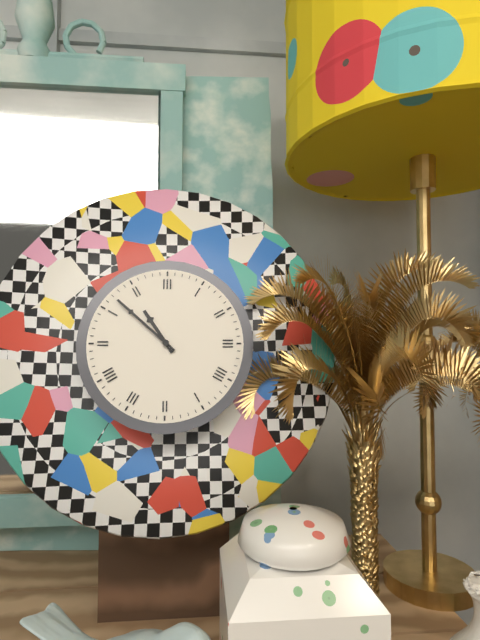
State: 10h52
